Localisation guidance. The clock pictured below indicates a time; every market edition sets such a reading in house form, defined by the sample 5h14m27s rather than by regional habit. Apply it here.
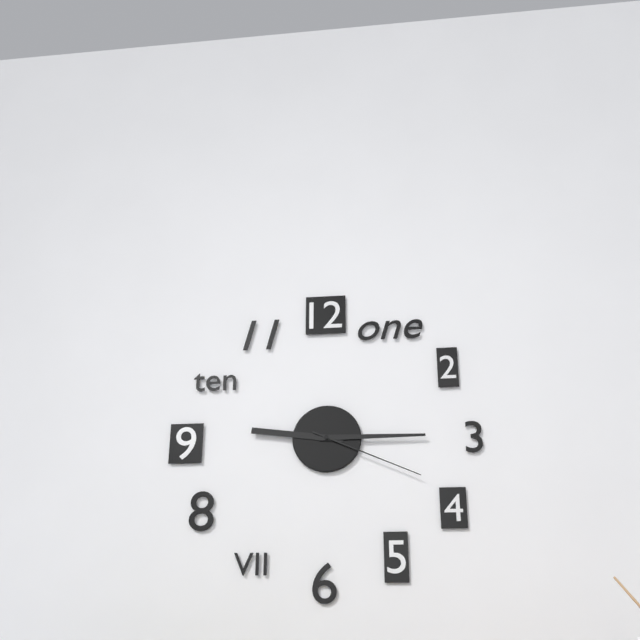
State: 9h15m19s
